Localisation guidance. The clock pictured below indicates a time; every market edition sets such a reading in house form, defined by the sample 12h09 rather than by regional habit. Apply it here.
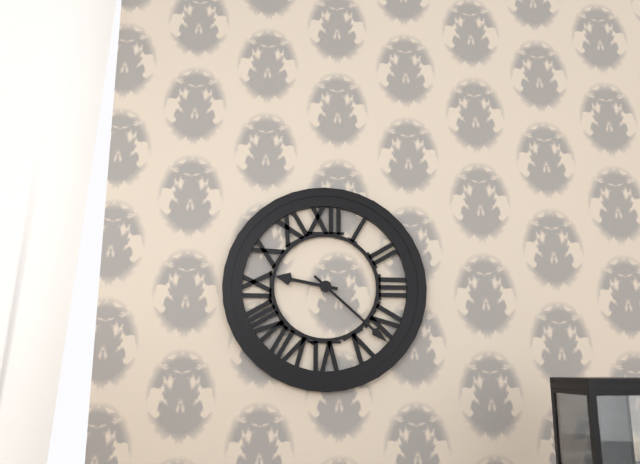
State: 9h22
